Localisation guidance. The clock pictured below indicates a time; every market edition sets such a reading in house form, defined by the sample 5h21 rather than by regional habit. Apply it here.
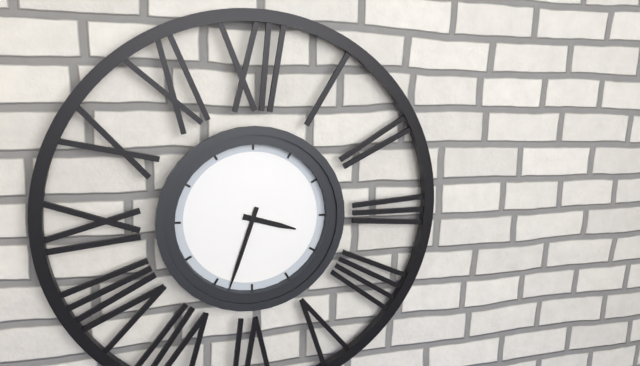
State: 3h33
